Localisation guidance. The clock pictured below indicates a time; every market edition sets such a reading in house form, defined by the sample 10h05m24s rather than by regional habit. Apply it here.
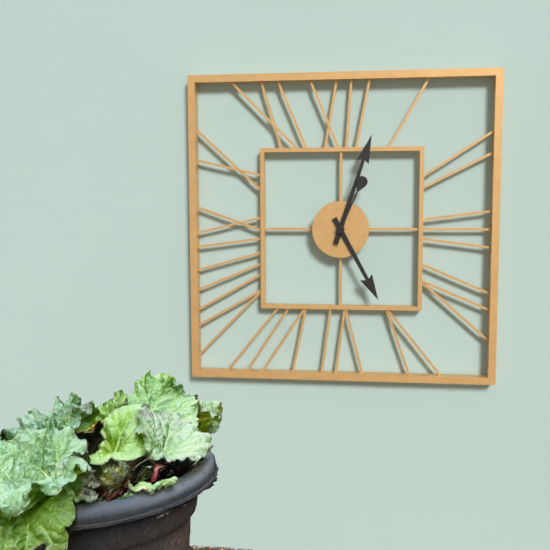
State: 5h03m04s
